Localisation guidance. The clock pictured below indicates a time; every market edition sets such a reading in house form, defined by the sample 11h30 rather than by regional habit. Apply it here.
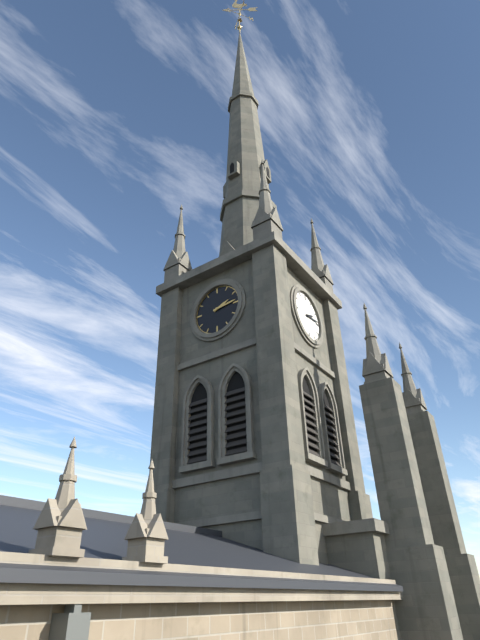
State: 2h14
